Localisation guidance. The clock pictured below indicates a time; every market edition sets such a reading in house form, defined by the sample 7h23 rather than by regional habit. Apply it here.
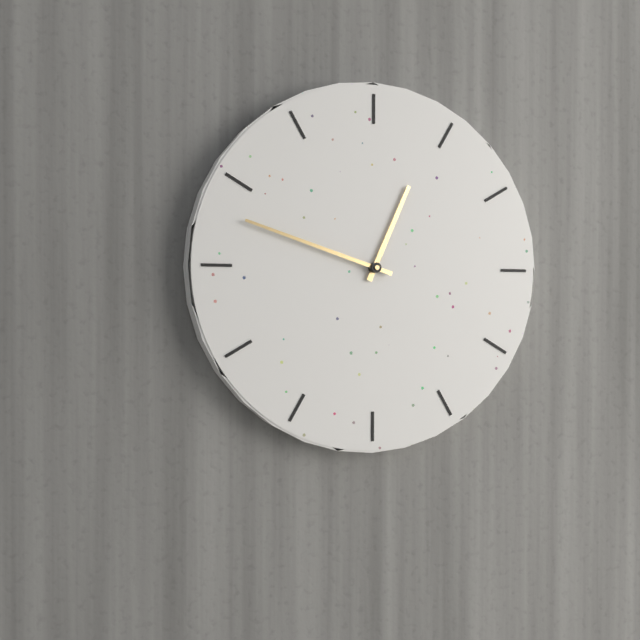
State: 12h48
